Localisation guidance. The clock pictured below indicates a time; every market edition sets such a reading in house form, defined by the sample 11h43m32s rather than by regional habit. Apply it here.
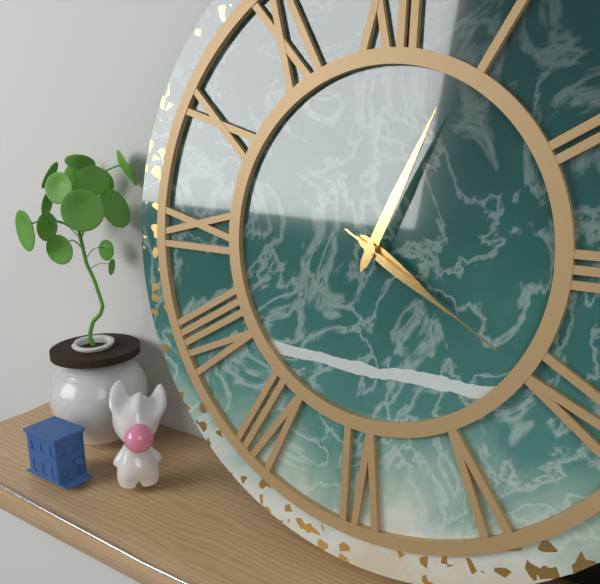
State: 4h04m20s
